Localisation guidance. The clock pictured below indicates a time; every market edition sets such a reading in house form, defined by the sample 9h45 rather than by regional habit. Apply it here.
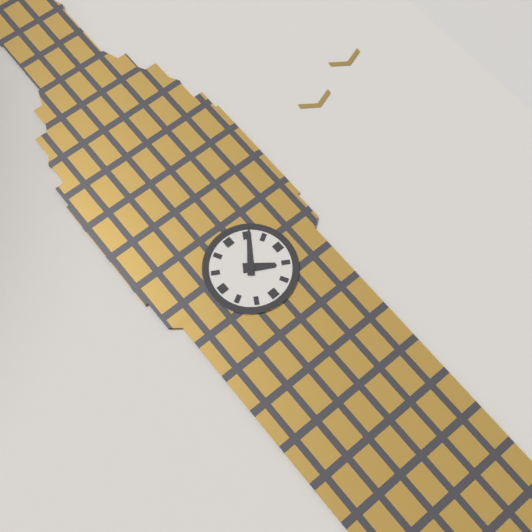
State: 4h06
